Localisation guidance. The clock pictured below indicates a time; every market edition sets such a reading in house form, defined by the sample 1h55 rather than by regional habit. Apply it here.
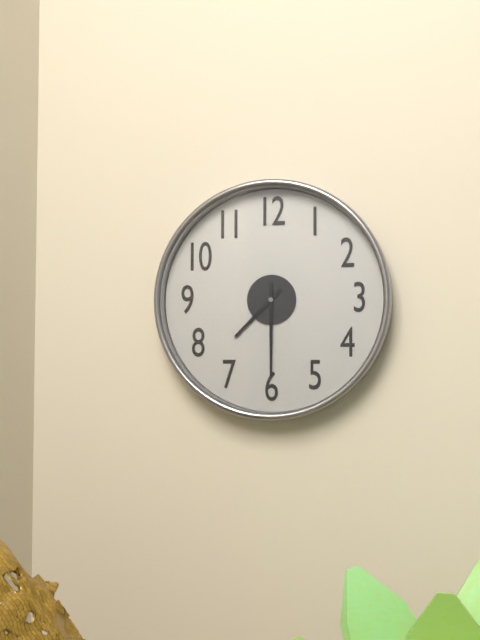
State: 7h30
